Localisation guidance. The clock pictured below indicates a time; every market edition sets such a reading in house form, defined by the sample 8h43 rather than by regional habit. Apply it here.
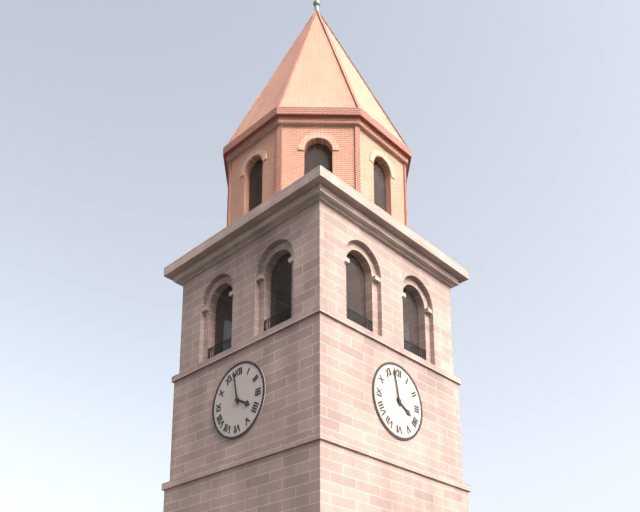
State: 3h58
